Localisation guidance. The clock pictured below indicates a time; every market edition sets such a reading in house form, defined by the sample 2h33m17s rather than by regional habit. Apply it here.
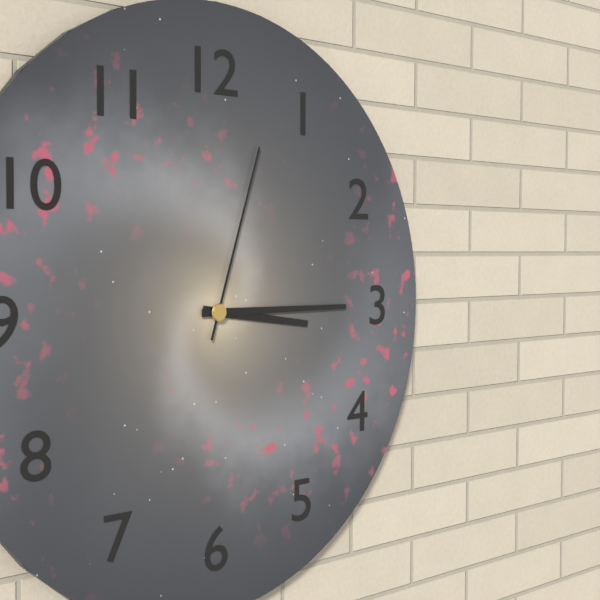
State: 3h15m03s
